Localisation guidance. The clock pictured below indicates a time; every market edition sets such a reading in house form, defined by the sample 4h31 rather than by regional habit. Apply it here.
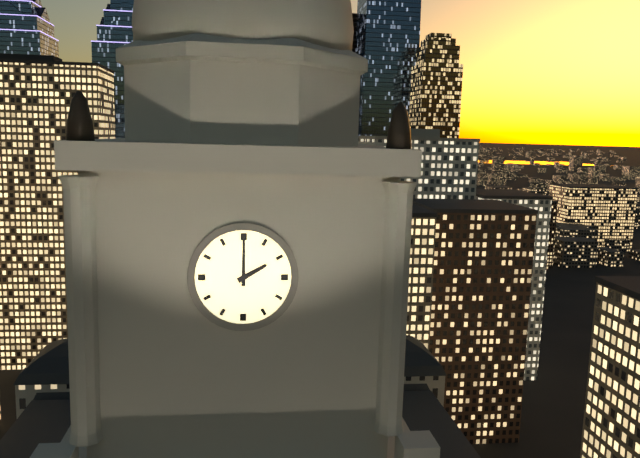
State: 2h00
